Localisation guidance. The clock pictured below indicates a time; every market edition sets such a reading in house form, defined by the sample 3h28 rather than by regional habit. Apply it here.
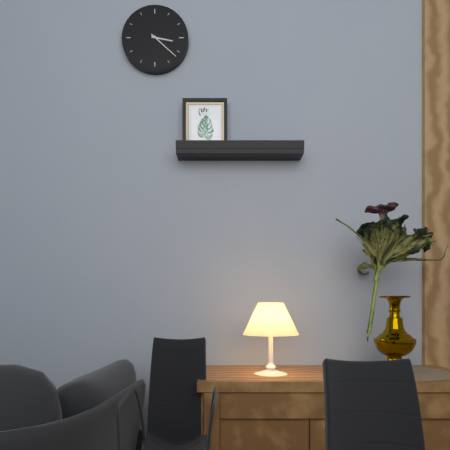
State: 3h22
